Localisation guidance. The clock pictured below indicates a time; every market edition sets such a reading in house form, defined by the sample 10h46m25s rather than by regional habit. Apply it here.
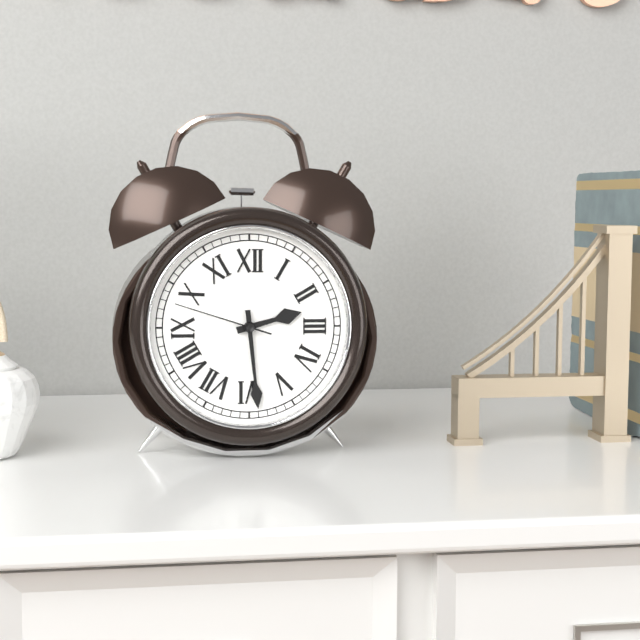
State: 2h29m48s
